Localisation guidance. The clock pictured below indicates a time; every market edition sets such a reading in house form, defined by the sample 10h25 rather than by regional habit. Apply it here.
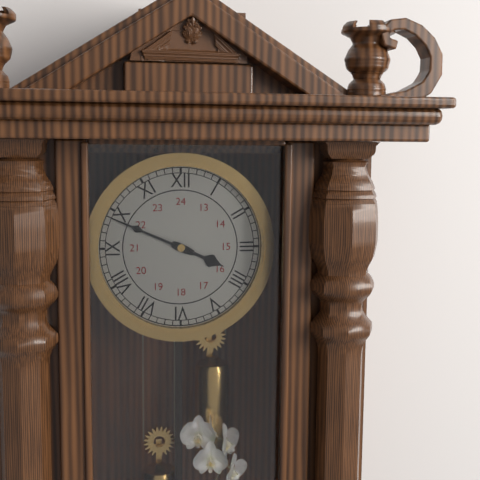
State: 3h49
